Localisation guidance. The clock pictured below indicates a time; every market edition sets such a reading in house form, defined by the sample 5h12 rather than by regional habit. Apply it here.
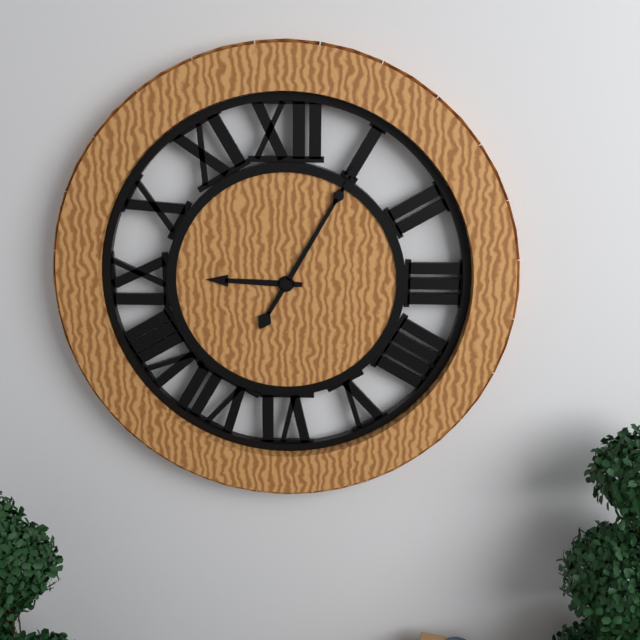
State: 9h05
